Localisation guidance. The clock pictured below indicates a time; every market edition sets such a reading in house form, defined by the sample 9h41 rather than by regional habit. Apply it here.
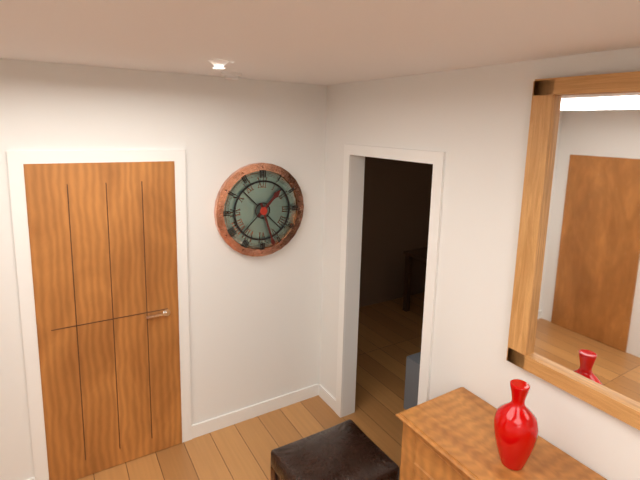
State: 1h27
